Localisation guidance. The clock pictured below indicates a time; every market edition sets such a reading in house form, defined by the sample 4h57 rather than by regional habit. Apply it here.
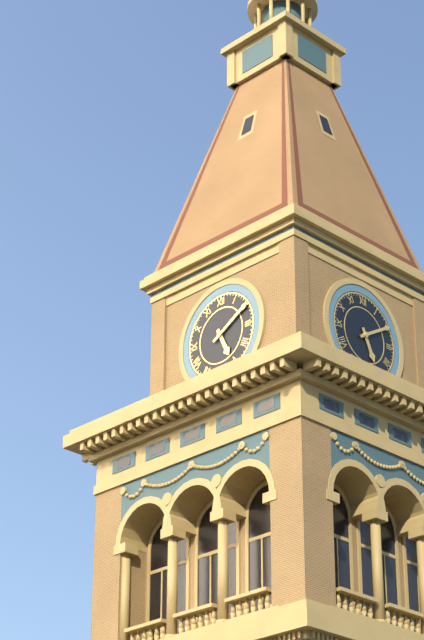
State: 5h10
